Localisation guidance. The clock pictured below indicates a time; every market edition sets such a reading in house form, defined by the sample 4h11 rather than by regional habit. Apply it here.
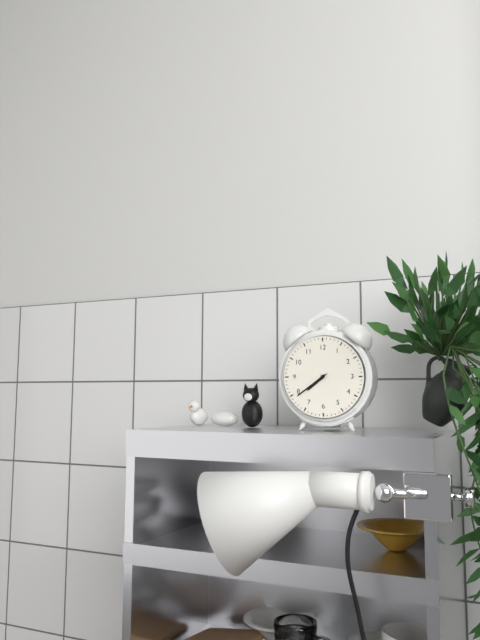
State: 7h39
